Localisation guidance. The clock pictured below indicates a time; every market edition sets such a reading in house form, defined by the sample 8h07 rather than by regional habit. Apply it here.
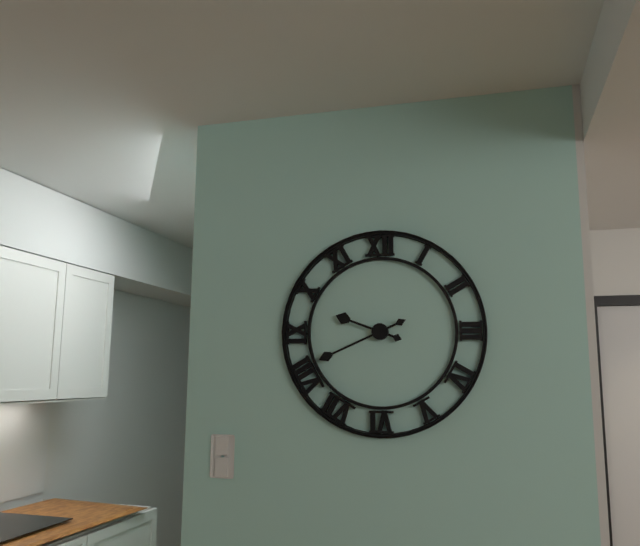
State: 9h41
